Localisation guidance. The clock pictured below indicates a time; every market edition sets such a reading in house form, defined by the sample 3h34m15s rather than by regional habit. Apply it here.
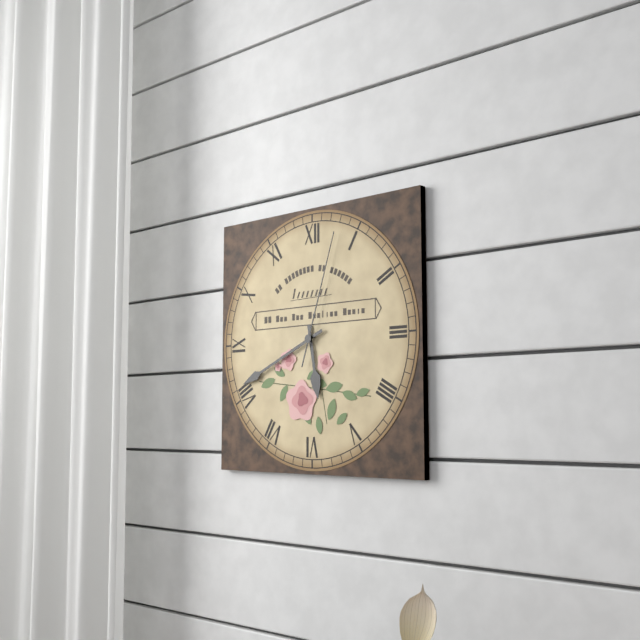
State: 5h41m03s
